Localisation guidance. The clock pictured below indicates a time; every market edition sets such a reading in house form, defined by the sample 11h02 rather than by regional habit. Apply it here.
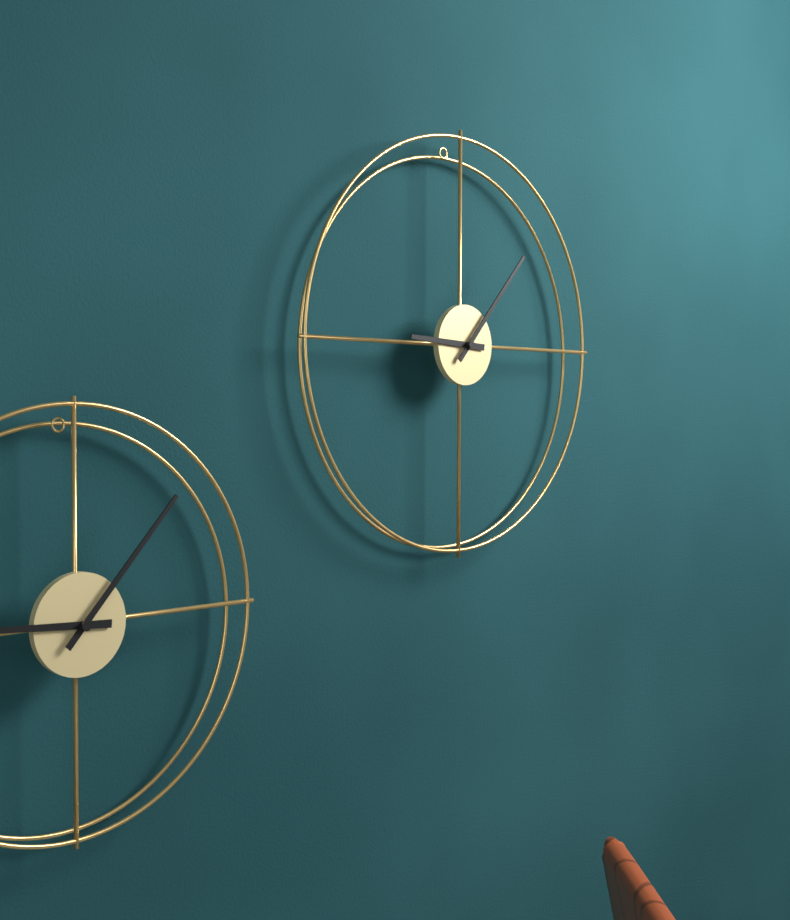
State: 9h07
